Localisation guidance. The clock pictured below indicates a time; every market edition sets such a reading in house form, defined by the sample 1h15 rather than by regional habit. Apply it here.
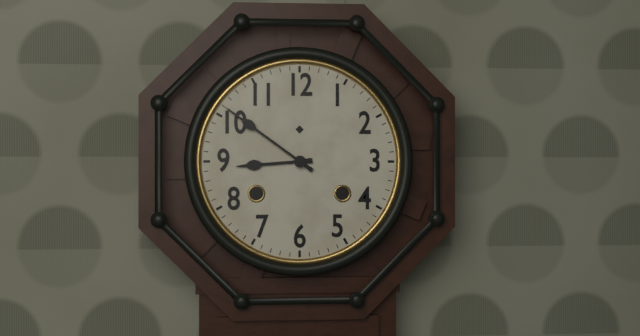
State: 8h51
